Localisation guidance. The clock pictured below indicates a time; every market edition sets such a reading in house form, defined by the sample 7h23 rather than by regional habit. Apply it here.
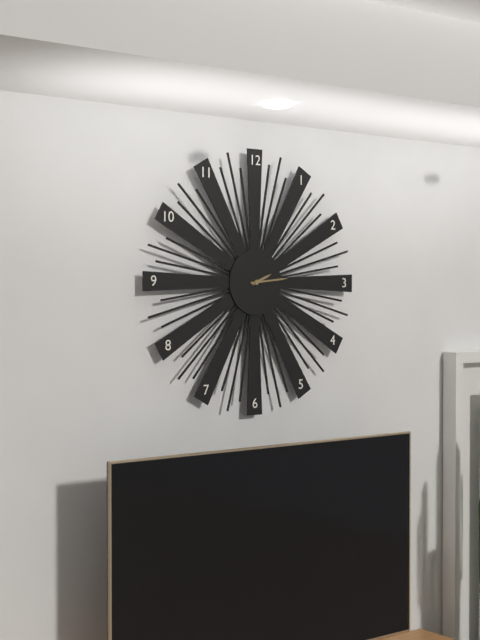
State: 2h14
